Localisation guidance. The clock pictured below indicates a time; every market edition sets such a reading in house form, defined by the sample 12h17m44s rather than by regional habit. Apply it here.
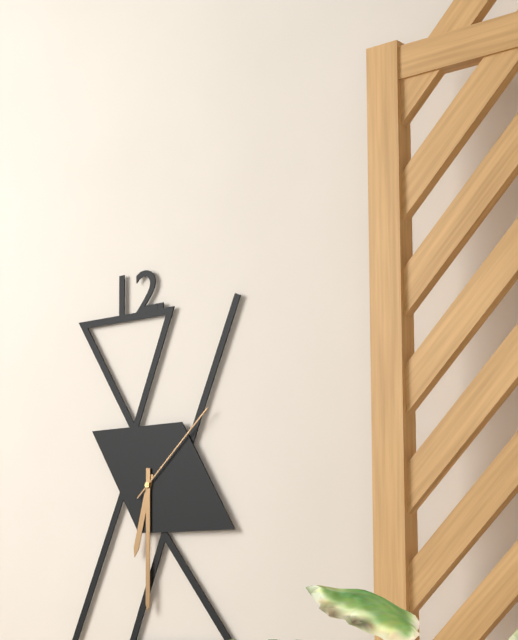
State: 6h30m08s
